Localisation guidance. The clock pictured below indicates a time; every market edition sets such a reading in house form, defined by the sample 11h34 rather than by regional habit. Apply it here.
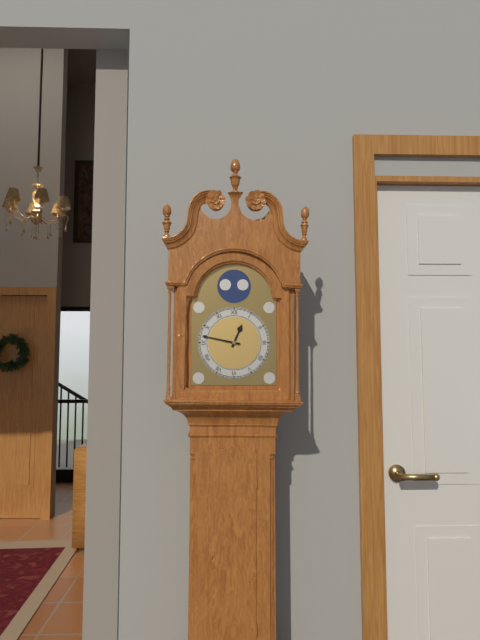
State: 12h47
